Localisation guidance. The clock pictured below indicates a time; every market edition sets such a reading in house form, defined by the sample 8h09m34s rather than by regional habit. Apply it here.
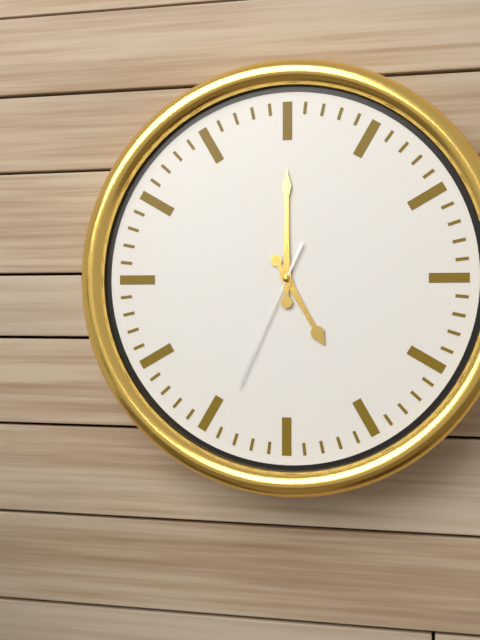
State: 5h00m34s
